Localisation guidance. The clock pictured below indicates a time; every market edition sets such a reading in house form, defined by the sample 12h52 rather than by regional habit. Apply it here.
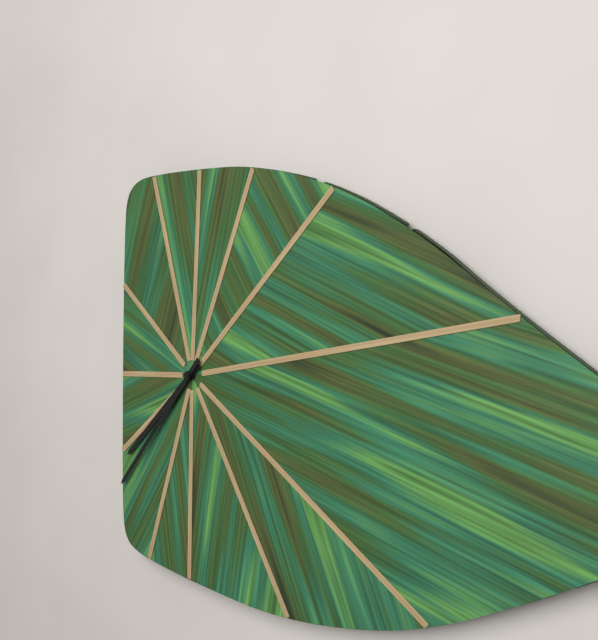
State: 7h37
